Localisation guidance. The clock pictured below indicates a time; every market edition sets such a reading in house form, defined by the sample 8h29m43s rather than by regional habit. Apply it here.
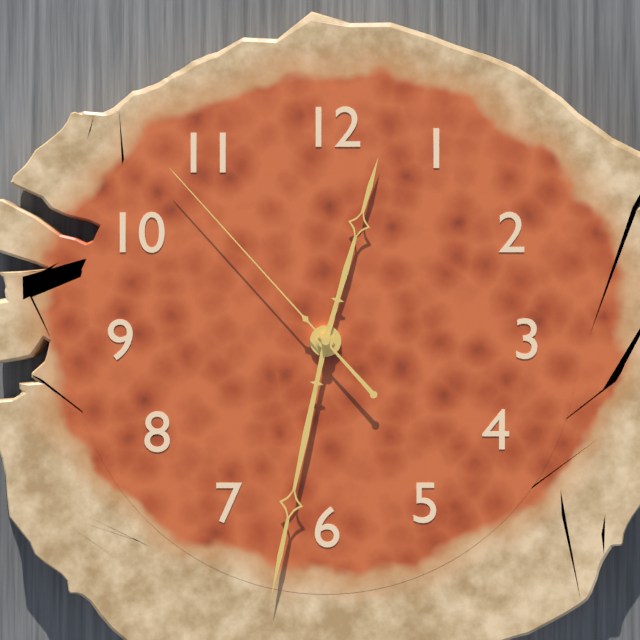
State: 12h32m53s
